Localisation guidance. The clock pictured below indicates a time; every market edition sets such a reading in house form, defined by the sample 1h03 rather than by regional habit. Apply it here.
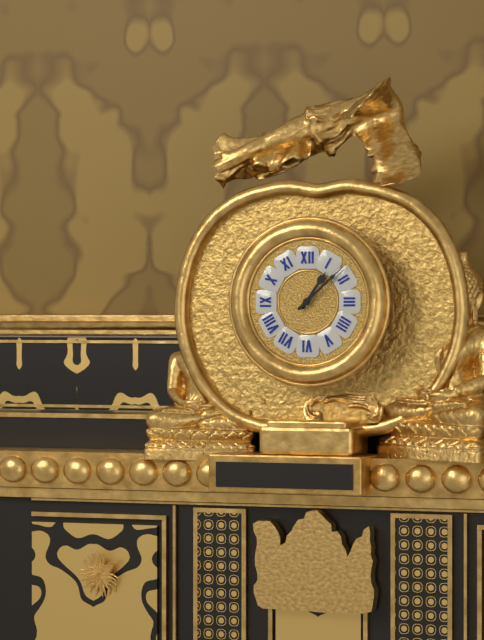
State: 1h08
